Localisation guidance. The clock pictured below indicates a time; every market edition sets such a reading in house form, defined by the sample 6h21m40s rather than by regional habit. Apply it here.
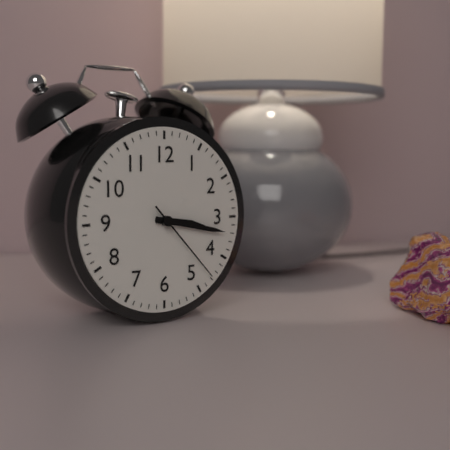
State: 3h17m23s
